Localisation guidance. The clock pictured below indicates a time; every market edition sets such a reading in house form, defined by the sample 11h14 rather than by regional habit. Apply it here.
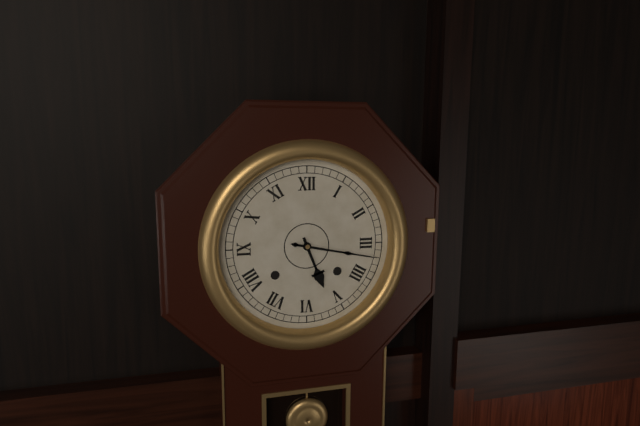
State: 5h17
